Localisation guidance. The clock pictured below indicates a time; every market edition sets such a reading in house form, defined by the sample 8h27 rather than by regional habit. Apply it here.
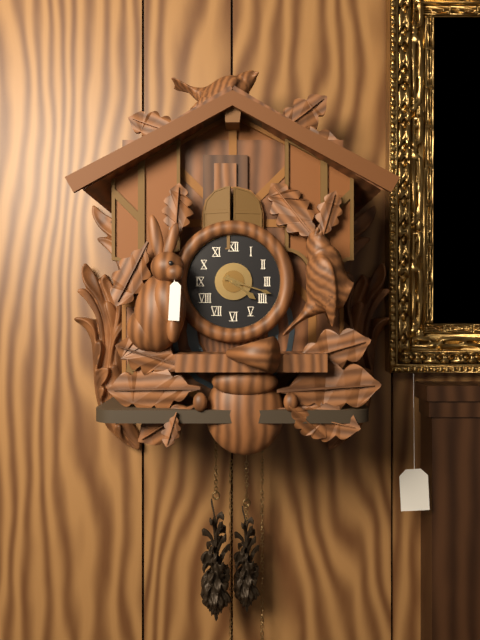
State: 4h18
